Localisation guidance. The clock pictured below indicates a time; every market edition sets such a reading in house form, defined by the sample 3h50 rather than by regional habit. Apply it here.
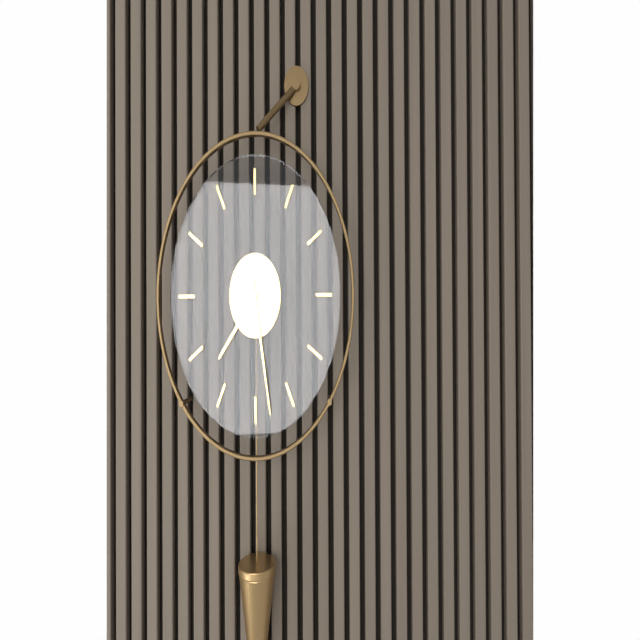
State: 7h28
